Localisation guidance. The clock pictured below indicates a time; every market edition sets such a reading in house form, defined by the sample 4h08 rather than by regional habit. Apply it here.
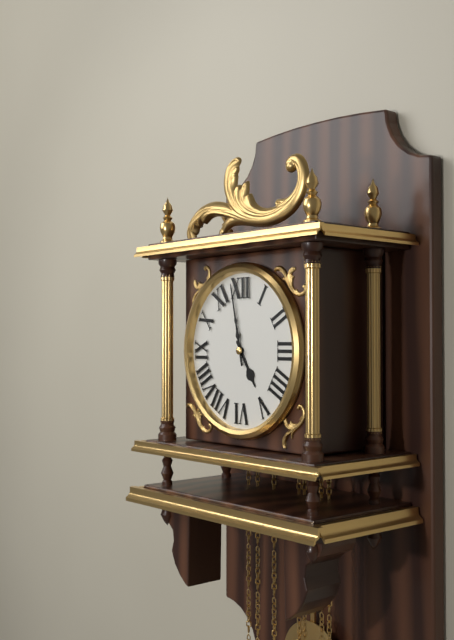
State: 4h58
